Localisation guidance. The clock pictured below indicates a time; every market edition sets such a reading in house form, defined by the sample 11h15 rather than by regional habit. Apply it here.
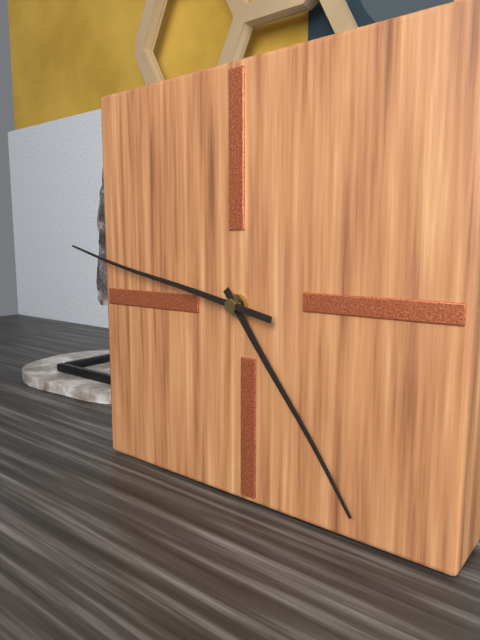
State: 4h47
